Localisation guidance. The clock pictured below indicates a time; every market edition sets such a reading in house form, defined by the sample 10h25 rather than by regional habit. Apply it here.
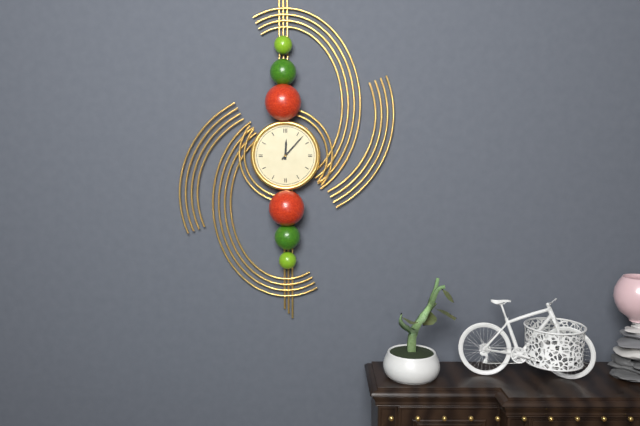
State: 12h07
